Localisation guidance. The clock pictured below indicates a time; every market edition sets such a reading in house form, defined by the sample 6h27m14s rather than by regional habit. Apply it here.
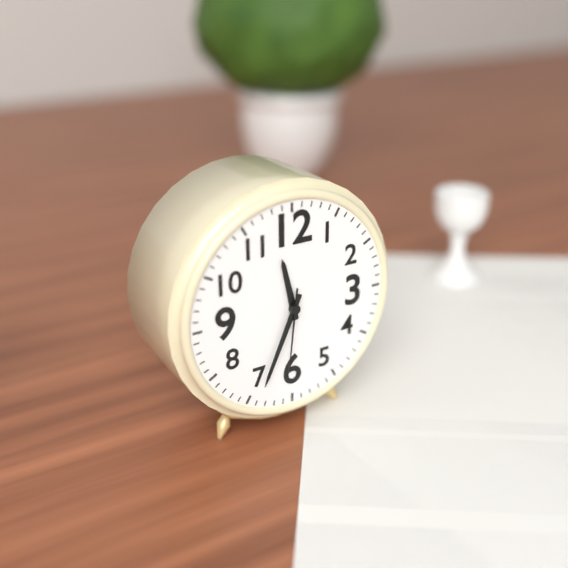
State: 11h34m31s
